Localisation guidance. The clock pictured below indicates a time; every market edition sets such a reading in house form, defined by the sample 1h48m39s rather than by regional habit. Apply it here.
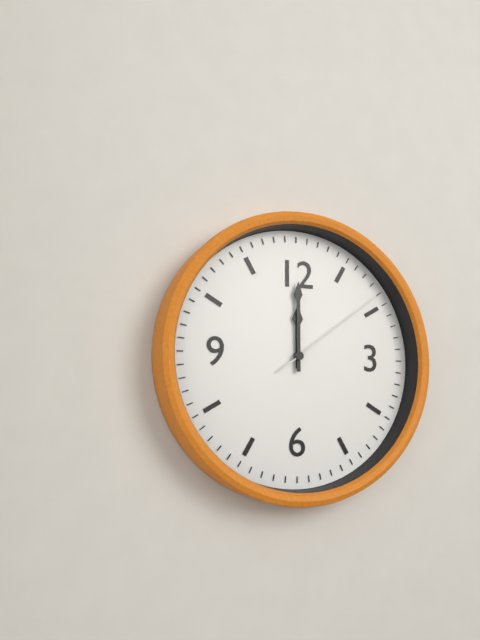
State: 12h00m09s
